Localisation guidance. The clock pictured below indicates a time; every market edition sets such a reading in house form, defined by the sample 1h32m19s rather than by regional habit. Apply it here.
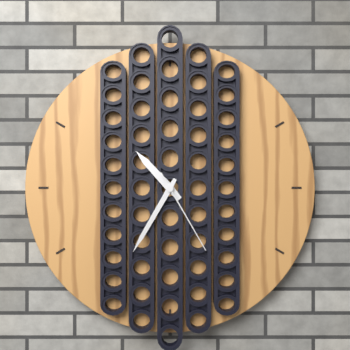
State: 10h35m25s
